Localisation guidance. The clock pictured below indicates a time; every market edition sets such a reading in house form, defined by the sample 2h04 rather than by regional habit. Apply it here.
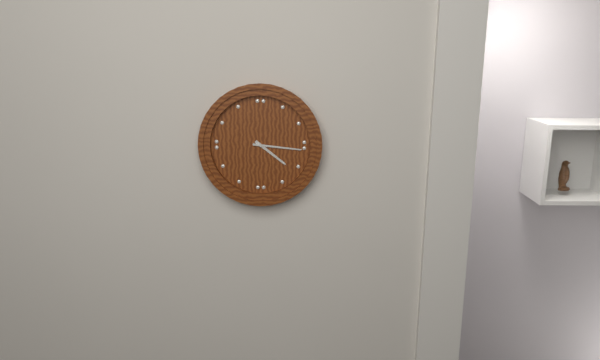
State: 4h16
